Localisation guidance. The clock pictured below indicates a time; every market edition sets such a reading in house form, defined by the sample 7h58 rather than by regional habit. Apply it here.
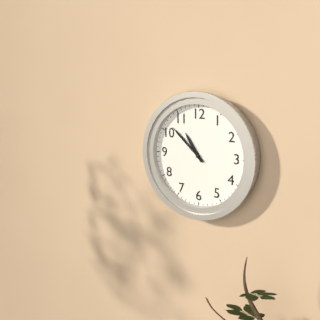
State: 10h52
